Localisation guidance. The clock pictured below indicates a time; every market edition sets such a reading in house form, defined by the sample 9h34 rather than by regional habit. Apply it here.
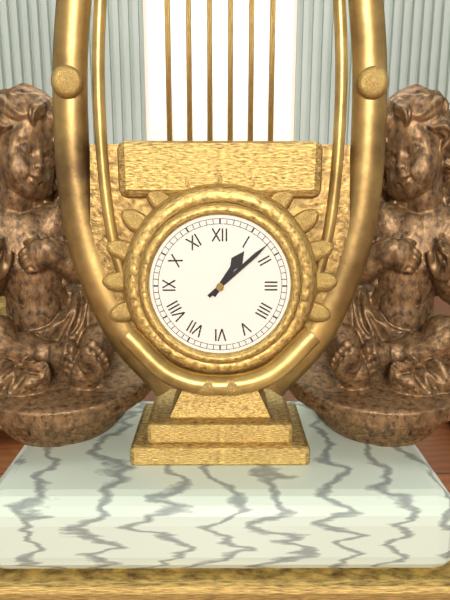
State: 1h08
